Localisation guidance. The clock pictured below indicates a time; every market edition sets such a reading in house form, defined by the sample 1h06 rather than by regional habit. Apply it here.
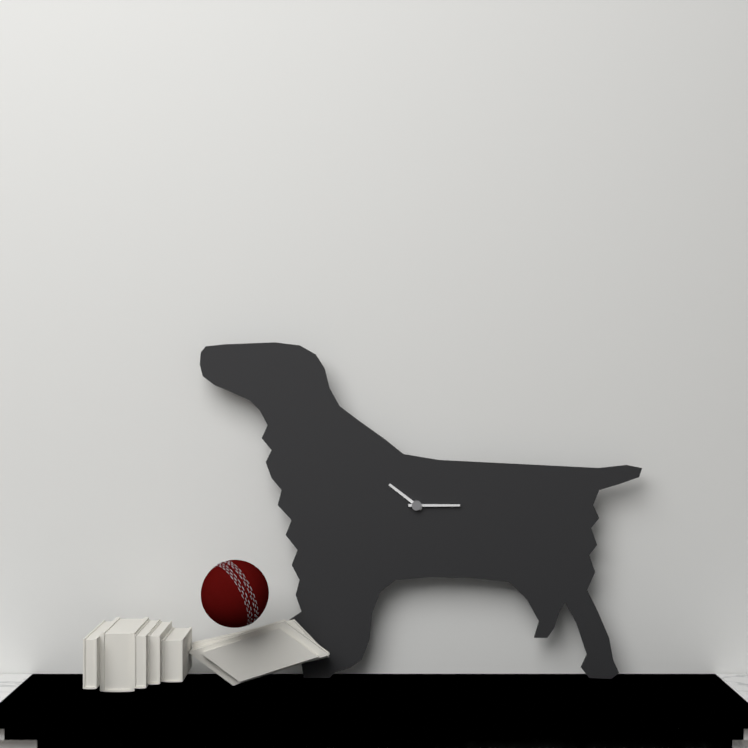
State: 10h15
